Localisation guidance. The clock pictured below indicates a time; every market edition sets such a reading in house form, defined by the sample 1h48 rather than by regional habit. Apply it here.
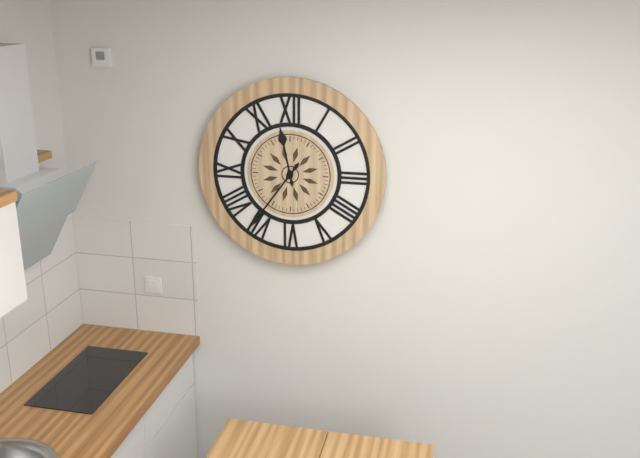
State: 11h36
